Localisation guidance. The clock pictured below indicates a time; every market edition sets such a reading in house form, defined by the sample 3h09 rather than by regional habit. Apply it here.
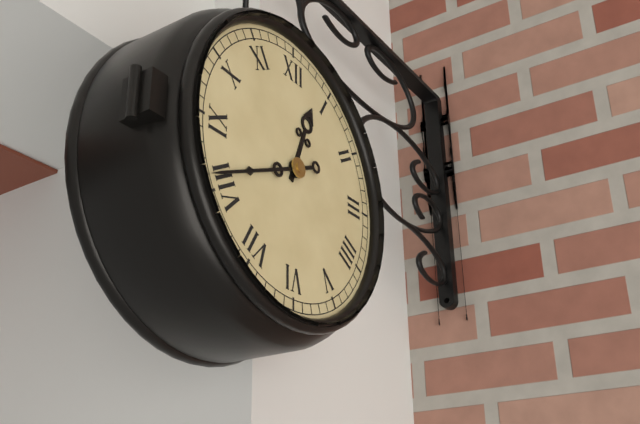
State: 12h41
